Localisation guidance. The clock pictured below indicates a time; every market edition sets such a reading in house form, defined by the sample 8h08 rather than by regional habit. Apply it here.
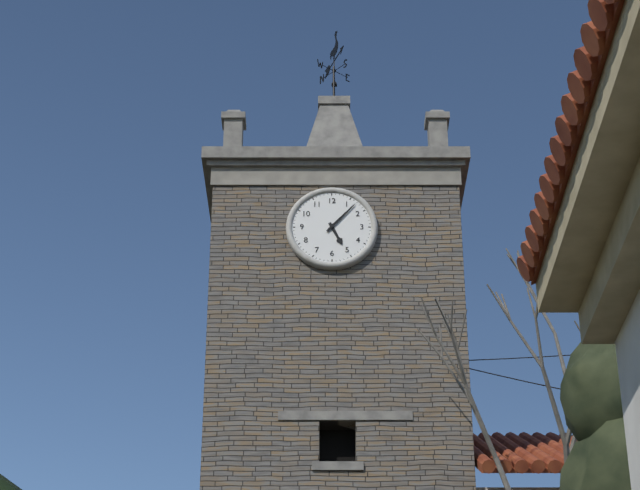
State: 5h07
